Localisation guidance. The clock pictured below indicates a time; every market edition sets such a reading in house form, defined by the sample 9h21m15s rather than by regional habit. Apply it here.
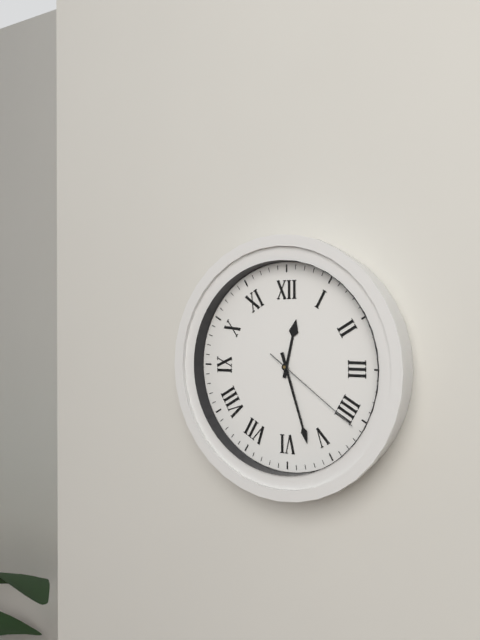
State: 12h27m21s
